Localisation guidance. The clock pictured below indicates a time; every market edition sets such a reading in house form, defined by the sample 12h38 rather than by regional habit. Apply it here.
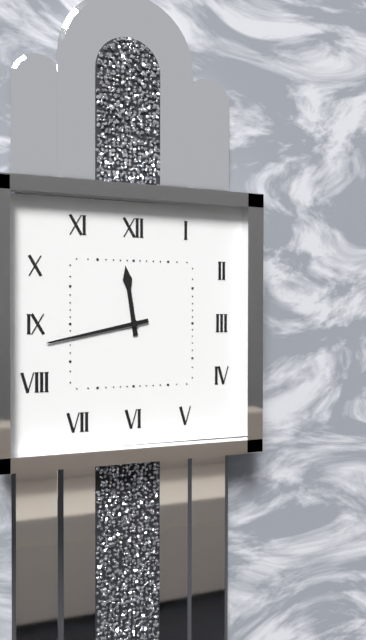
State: 11h43
